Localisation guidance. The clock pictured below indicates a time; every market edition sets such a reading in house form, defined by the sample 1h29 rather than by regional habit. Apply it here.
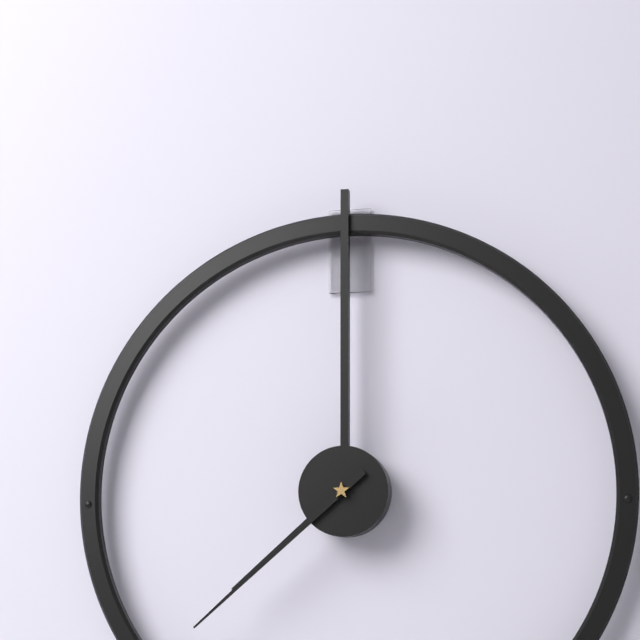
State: 7h38
